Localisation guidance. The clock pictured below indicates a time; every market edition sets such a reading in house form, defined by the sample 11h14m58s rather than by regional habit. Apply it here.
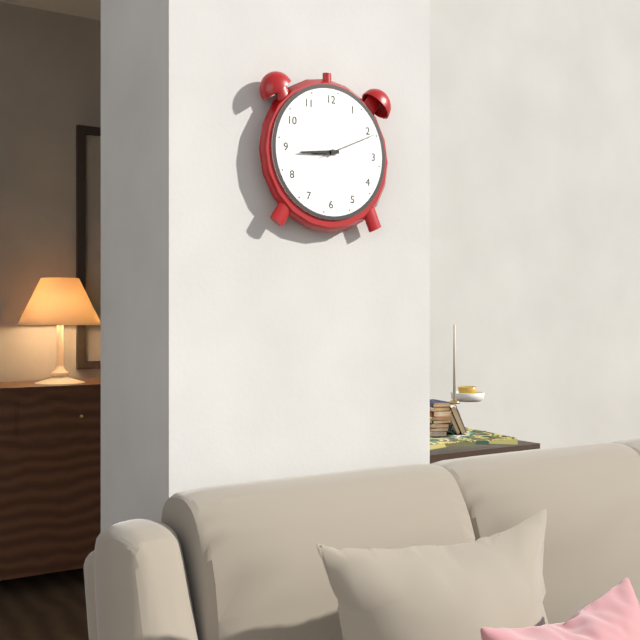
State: 8h44m11s
